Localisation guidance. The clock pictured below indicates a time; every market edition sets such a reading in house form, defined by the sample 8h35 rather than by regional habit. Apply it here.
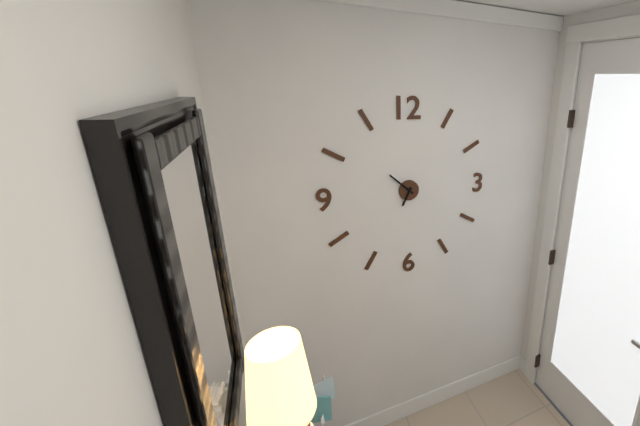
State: 6h52
